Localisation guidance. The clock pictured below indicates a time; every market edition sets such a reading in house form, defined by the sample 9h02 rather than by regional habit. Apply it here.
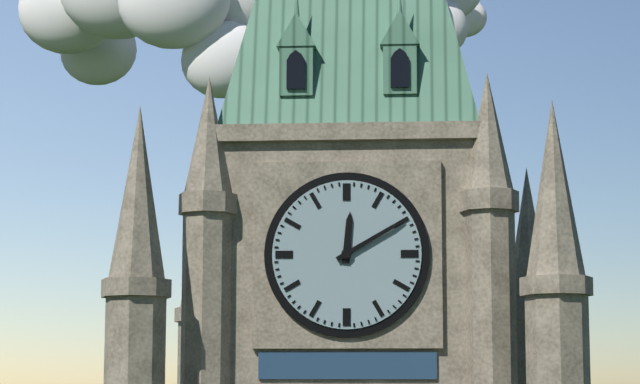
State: 12h10
